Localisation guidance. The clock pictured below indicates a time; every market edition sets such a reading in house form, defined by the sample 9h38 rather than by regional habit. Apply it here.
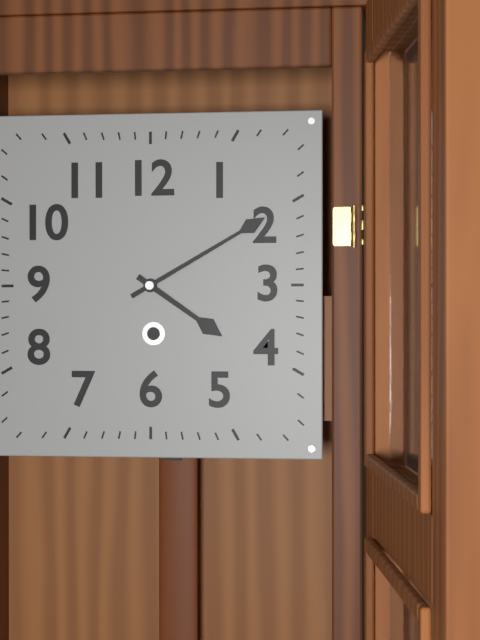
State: 4h10
